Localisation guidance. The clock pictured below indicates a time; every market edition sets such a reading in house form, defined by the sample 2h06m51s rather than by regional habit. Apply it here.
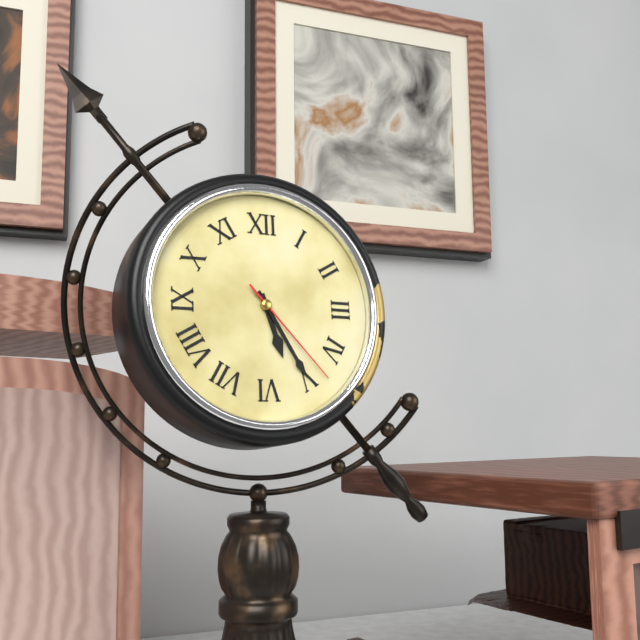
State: 5h25m23s
